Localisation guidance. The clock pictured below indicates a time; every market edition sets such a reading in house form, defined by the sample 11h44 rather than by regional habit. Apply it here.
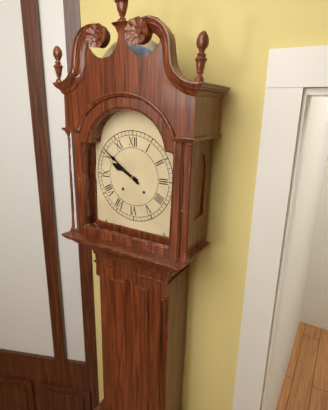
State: 9h51
